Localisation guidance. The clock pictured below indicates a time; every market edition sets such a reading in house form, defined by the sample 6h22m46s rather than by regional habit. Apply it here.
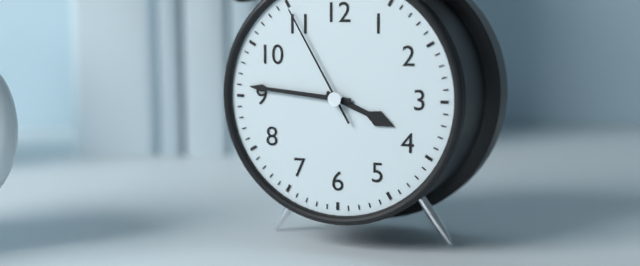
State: 3h46m55s
